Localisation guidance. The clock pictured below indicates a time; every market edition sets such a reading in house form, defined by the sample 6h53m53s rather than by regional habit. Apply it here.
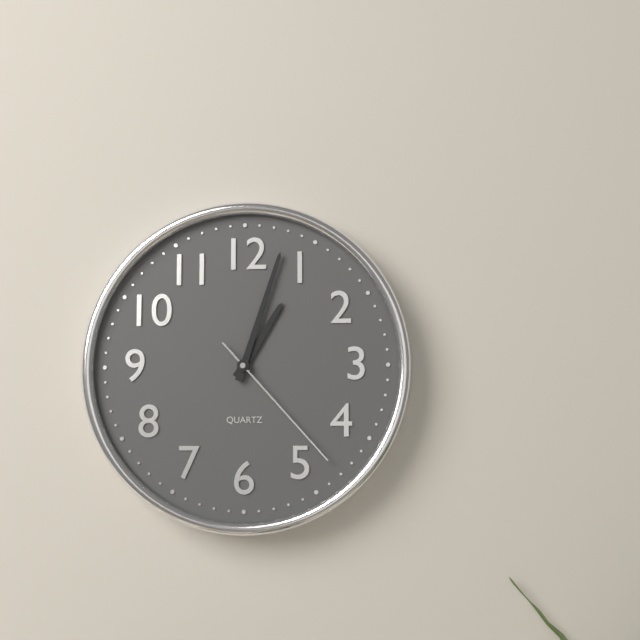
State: 1h03m23s
